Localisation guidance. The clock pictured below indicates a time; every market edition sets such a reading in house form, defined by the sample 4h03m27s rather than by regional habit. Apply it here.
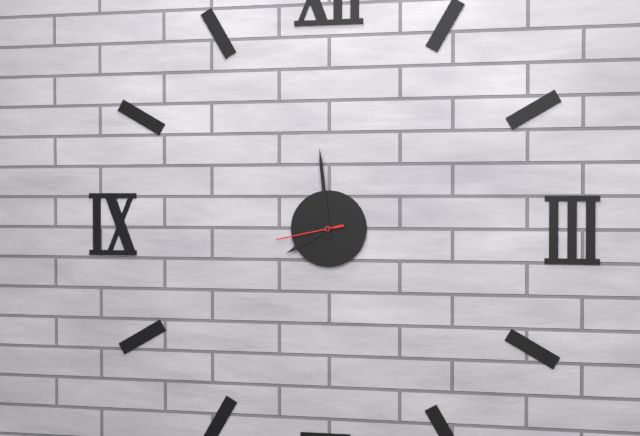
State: 7h59m43s
